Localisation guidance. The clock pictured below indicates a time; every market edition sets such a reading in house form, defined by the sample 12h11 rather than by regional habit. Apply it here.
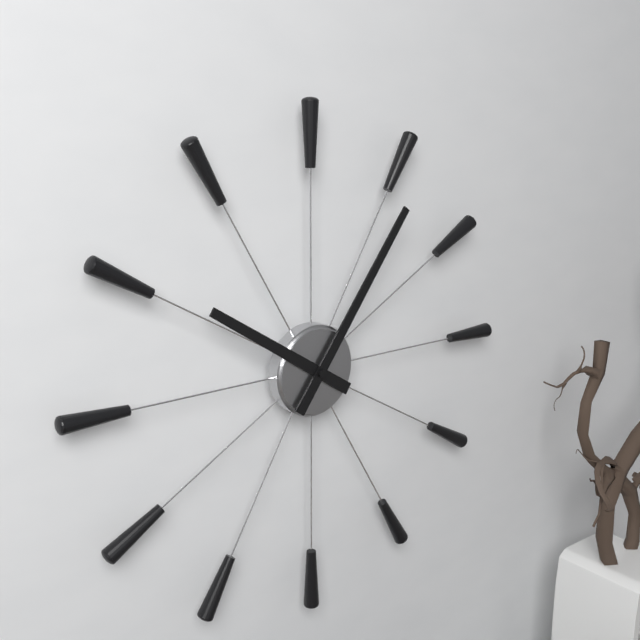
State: 10h06
